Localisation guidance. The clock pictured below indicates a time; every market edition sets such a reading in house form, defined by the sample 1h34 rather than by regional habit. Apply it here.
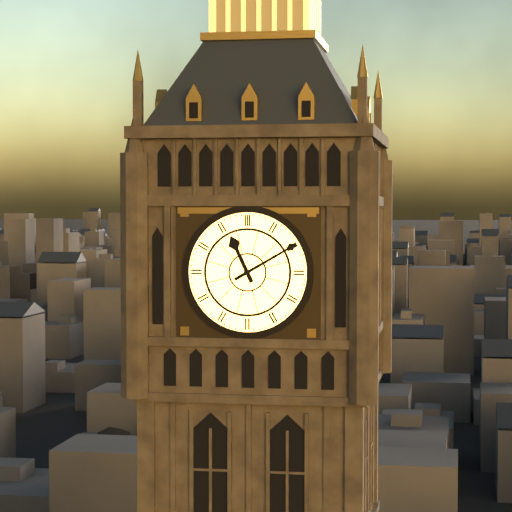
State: 11h10
